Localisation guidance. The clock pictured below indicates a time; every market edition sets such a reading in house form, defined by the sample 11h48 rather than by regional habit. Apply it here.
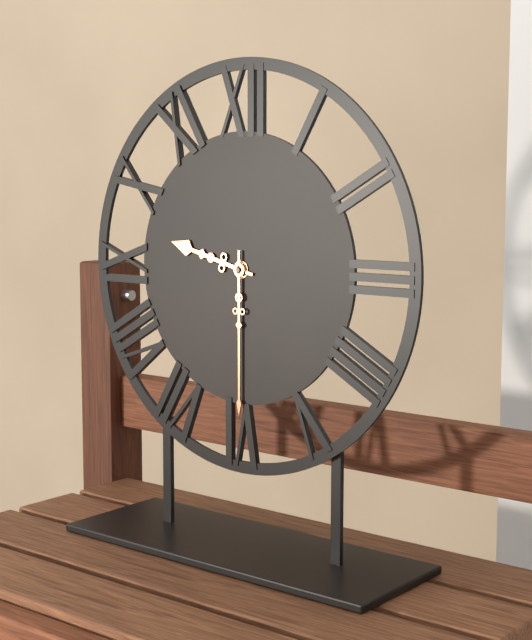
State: 9h30
